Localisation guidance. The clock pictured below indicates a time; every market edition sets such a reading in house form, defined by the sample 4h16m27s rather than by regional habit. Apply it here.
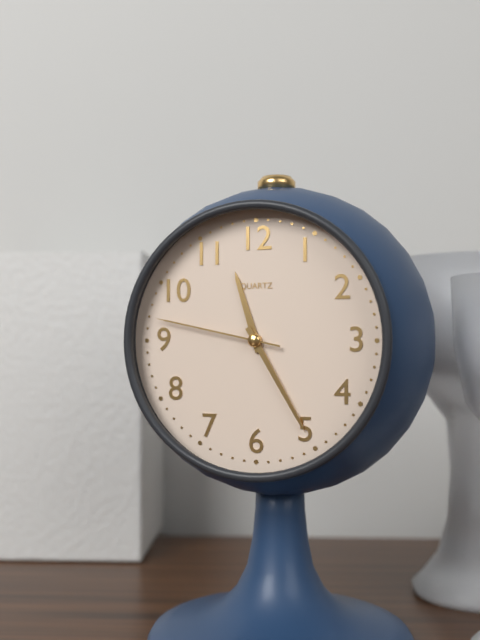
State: 11h25m47s
